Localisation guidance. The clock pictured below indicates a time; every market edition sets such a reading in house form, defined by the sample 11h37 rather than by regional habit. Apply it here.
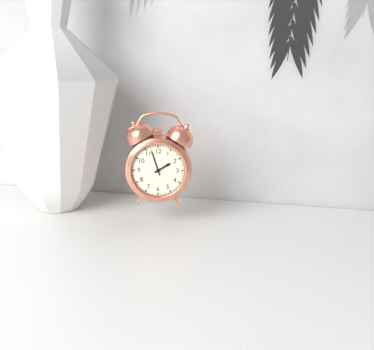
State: 1h57
